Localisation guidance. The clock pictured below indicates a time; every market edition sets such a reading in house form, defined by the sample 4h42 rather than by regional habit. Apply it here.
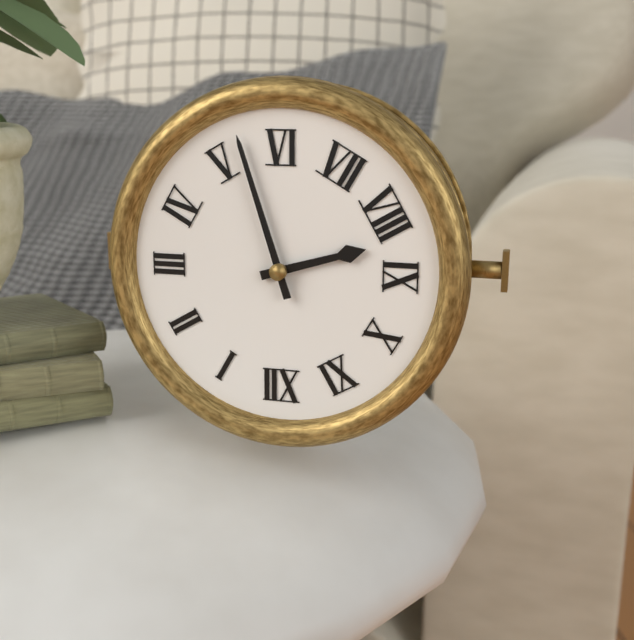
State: 8h27
